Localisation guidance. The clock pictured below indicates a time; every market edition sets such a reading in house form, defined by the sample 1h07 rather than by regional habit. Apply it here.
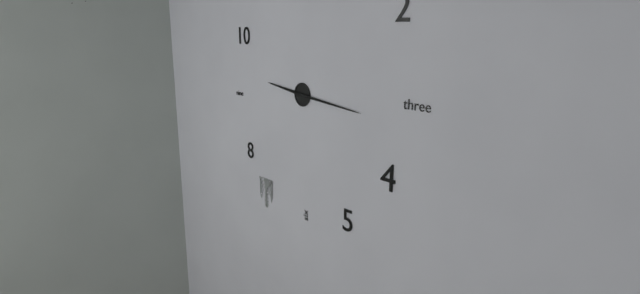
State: 9h16
